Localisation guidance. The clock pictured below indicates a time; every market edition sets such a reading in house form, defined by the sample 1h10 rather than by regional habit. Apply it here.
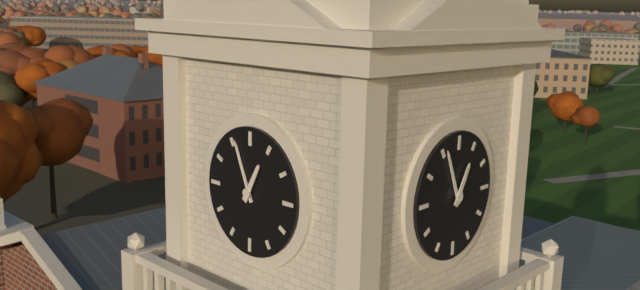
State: 12h56
